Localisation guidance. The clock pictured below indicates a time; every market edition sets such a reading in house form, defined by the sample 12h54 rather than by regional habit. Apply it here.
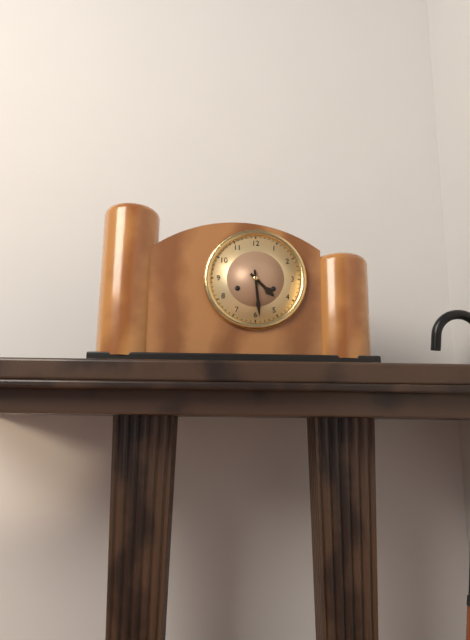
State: 4h29
